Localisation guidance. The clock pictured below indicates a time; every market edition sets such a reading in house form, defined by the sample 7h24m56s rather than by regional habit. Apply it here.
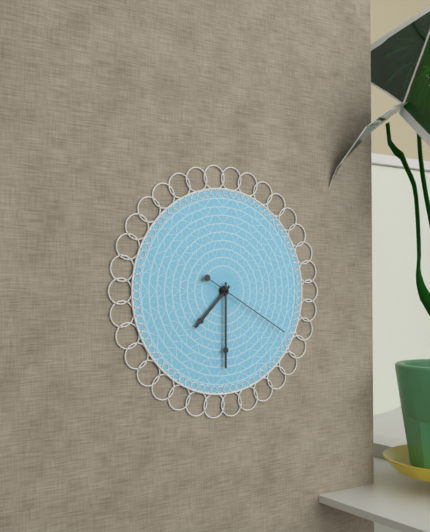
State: 7h30m20s
